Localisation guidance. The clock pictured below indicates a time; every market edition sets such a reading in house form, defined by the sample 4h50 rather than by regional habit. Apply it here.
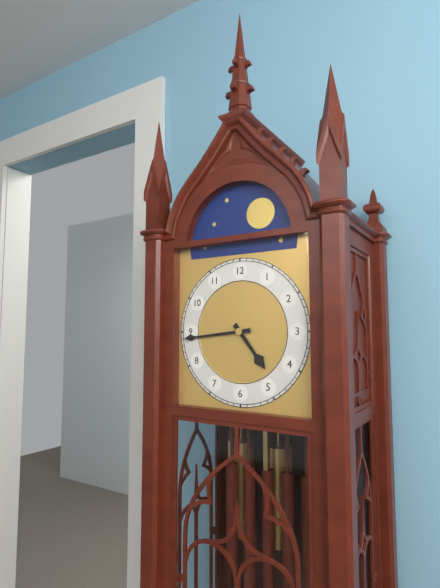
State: 4h44
